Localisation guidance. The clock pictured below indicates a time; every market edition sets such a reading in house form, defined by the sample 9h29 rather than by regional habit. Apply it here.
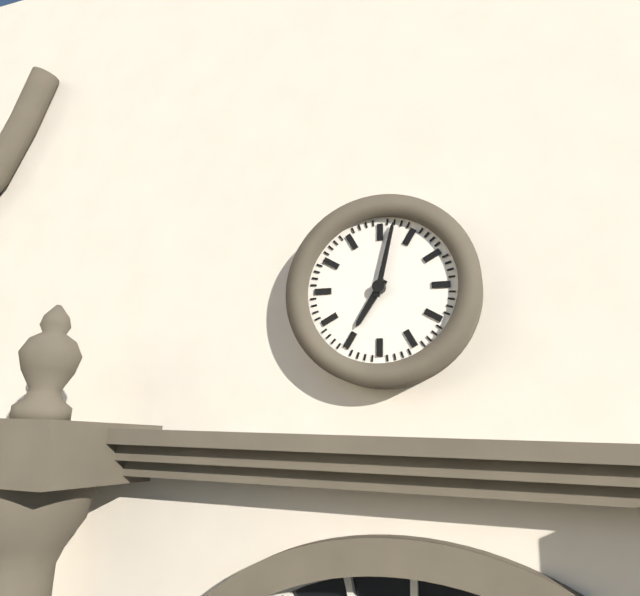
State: 7h02
